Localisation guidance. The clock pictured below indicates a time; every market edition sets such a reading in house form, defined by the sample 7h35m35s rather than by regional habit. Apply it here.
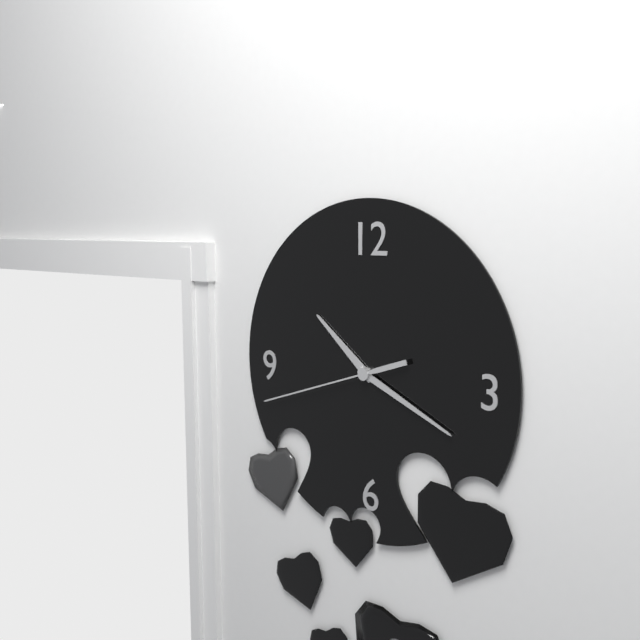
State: 10h19m42s
